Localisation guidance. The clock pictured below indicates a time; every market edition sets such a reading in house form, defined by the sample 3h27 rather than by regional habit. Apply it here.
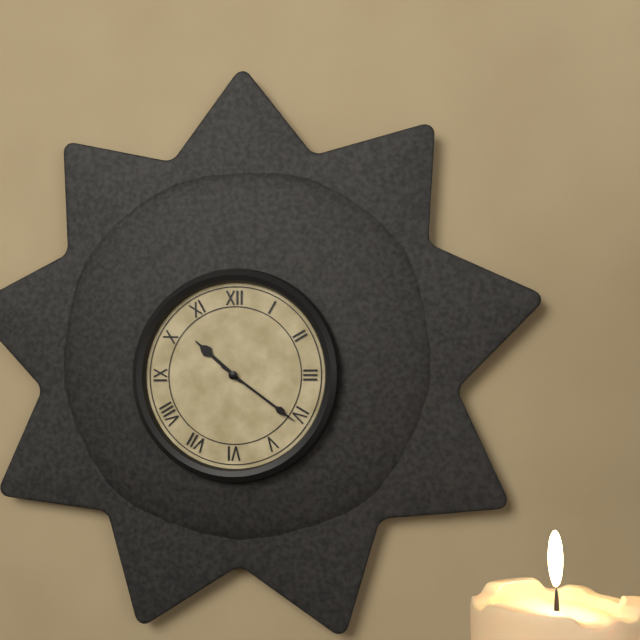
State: 10h21
